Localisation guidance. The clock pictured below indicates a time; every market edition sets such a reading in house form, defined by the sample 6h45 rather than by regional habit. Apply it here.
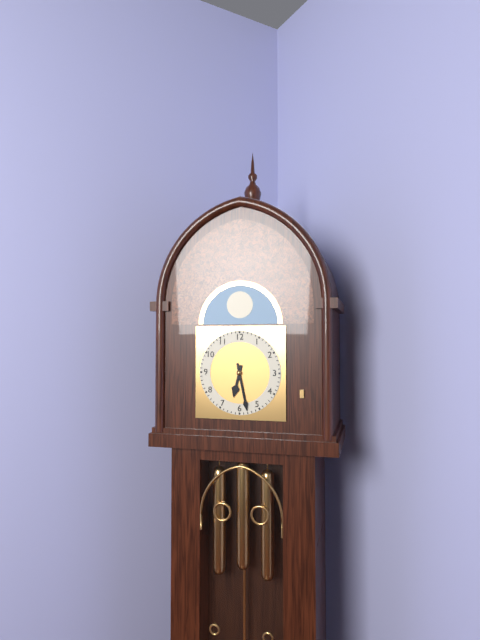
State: 6h28
